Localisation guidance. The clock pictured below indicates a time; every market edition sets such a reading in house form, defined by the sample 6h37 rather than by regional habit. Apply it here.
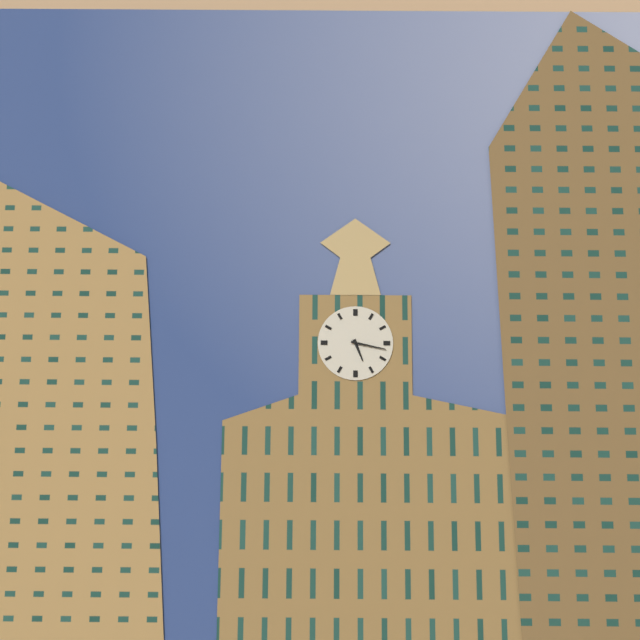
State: 5h17
